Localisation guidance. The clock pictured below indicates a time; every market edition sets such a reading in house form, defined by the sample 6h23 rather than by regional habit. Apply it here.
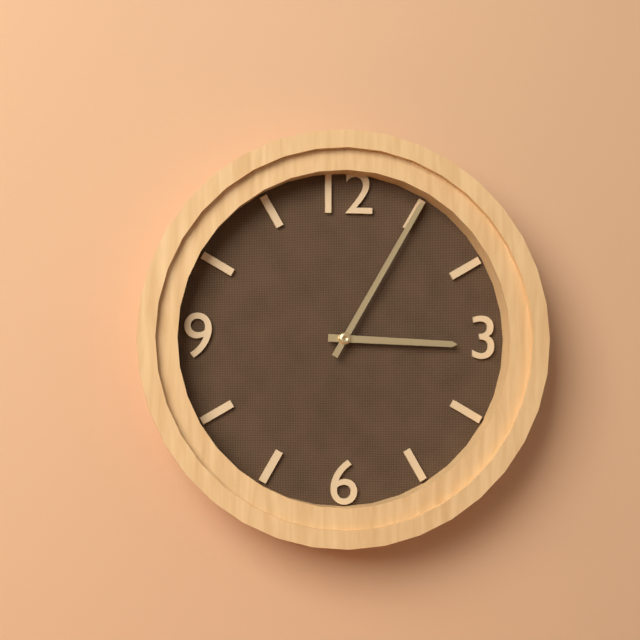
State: 3h05
